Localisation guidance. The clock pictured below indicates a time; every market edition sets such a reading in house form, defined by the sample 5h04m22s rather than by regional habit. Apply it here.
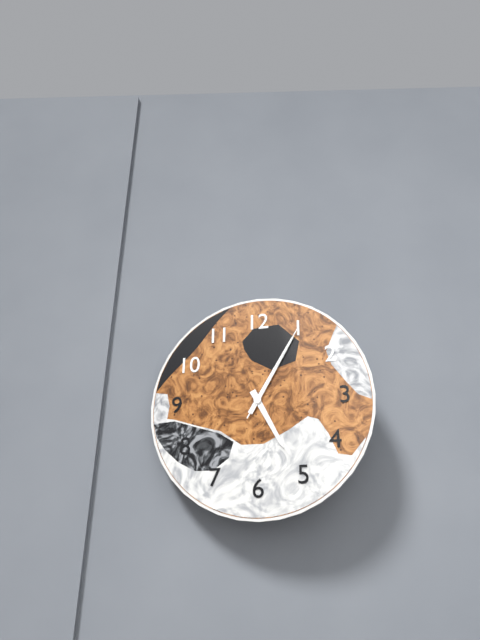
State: 5h05m05s
